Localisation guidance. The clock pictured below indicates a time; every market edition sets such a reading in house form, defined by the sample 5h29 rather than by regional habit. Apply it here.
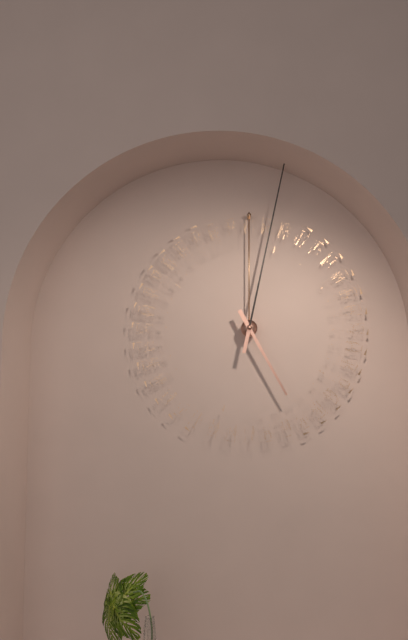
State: 5h02
